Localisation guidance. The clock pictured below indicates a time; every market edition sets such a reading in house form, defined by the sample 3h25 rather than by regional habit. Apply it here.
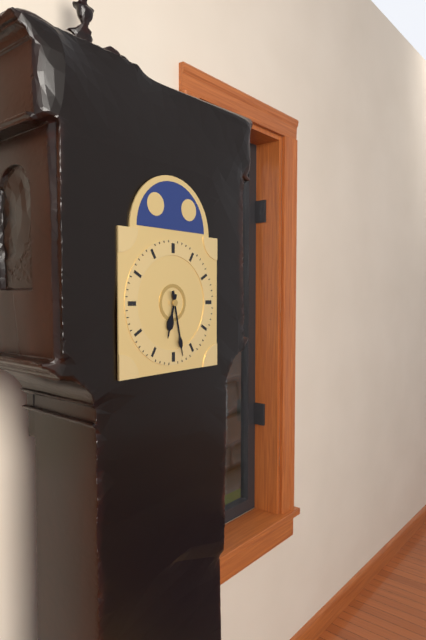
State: 6h28
